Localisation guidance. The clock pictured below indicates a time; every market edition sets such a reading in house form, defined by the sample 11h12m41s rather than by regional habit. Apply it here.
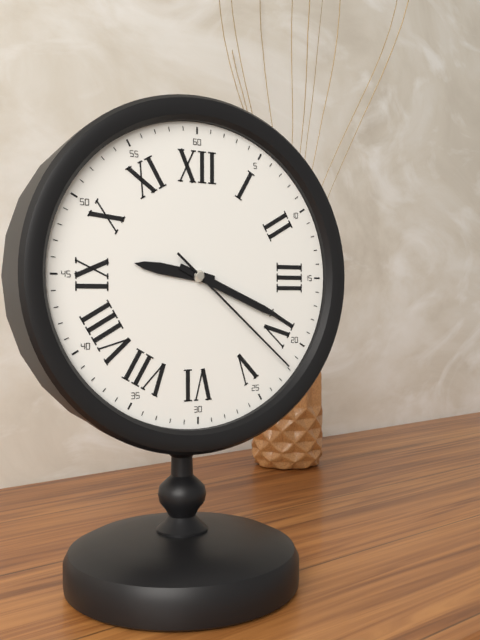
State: 9h19m22s
